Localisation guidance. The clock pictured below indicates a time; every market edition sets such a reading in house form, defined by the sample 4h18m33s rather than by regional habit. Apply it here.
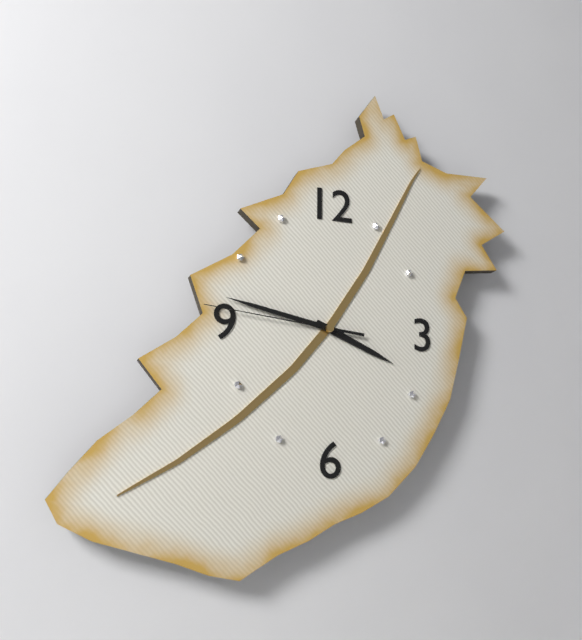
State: 3h47m46s
